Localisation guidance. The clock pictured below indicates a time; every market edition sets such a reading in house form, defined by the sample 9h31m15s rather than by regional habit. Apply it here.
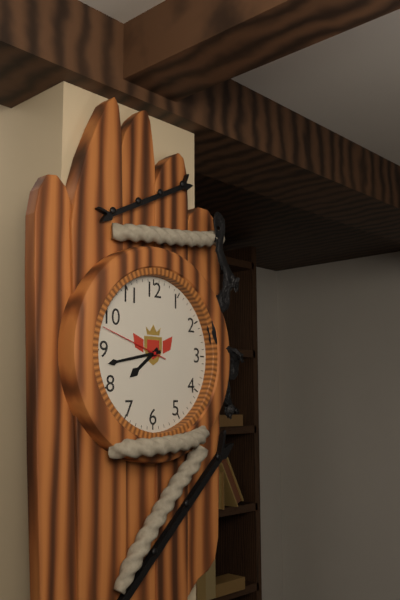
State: 7h43m48s
